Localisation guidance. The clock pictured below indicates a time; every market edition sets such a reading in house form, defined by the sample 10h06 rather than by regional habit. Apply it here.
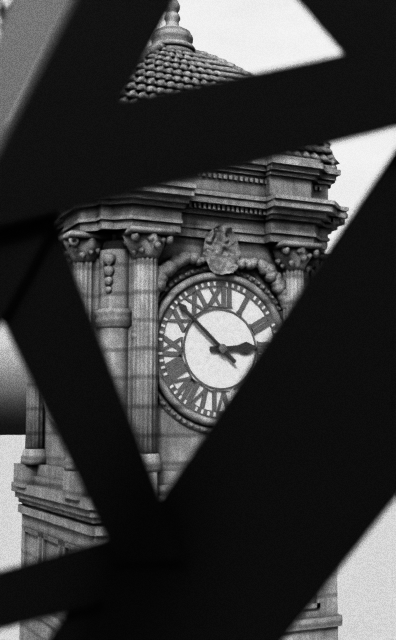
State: 2h52
